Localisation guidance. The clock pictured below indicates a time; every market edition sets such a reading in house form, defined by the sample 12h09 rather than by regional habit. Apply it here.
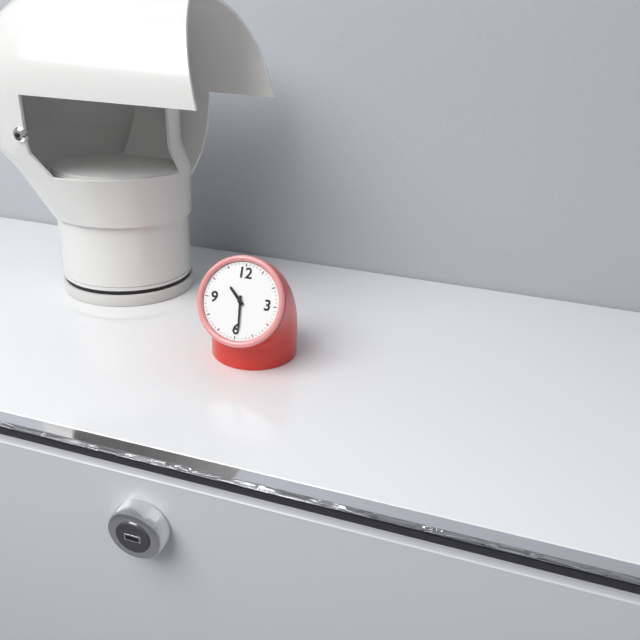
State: 10h29
